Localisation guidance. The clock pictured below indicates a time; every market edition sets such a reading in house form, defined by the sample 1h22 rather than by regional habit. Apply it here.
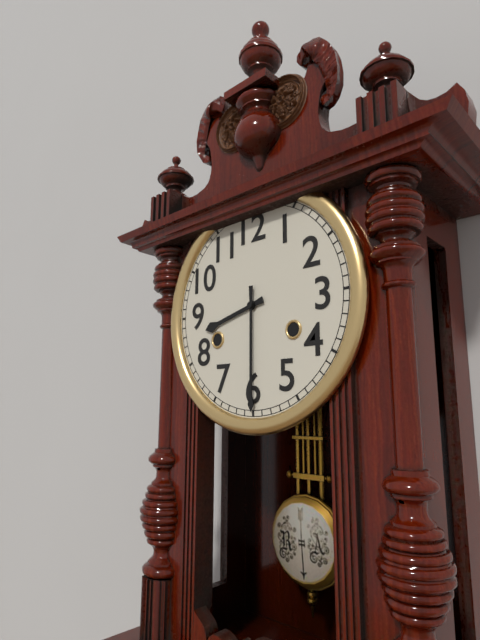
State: 8h30
